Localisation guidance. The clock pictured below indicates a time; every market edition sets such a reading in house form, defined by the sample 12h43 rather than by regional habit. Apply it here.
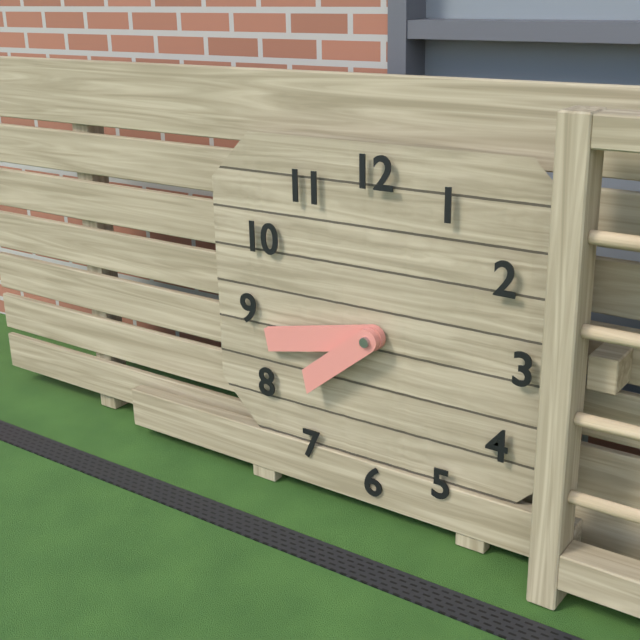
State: 7h43
